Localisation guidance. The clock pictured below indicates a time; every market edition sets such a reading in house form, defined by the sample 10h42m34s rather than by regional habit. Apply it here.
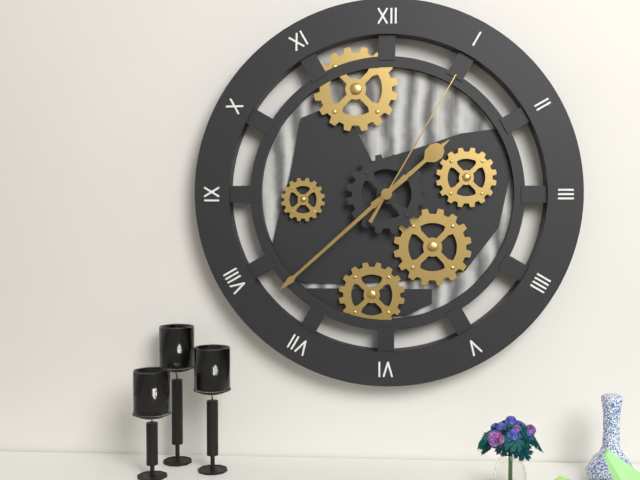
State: 1h38m05s
